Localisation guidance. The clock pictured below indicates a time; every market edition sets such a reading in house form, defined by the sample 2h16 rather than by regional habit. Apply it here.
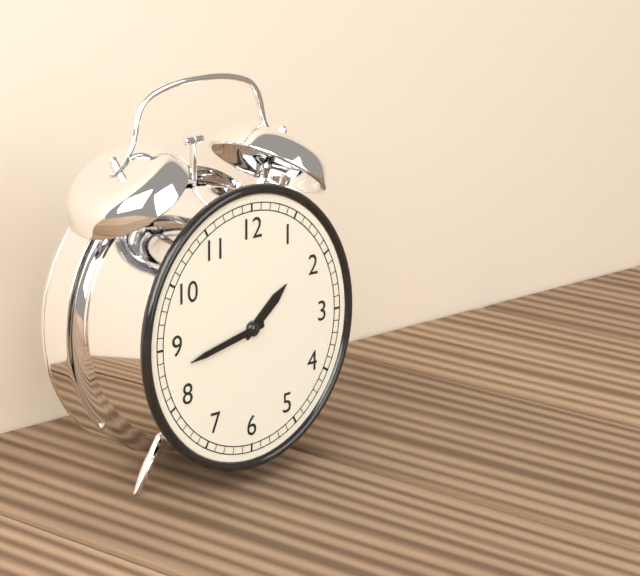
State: 1h43
